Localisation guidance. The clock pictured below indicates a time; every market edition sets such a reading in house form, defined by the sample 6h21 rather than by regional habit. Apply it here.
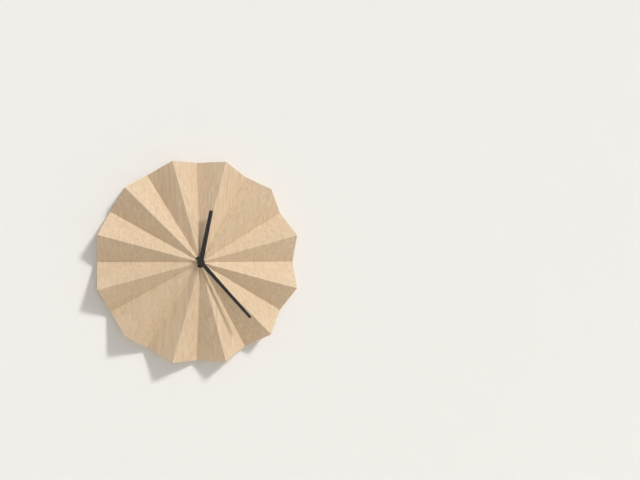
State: 12h23
